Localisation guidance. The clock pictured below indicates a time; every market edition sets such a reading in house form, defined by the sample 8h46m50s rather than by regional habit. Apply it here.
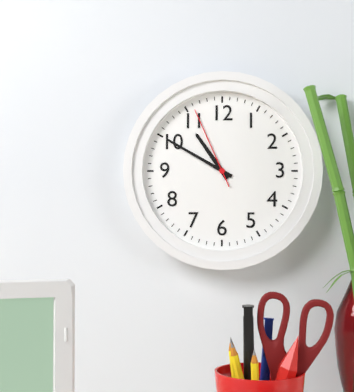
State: 10h50m56s
